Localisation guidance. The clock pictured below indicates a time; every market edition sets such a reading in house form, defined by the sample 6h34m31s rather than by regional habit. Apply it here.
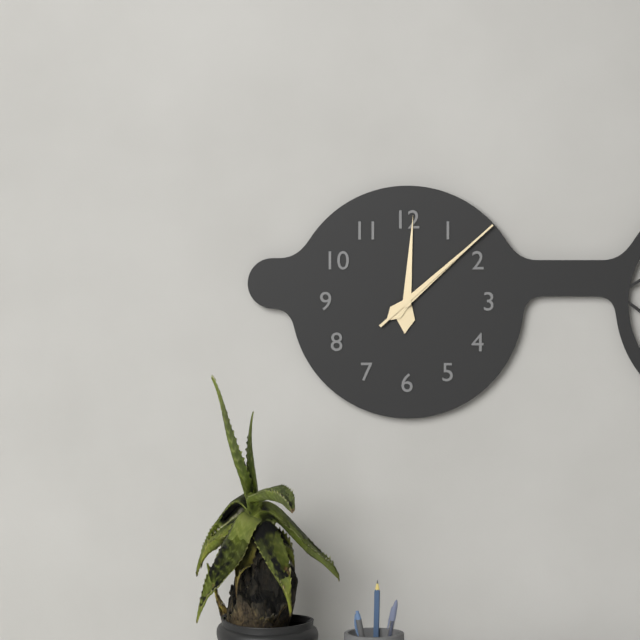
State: 12h08m08s
